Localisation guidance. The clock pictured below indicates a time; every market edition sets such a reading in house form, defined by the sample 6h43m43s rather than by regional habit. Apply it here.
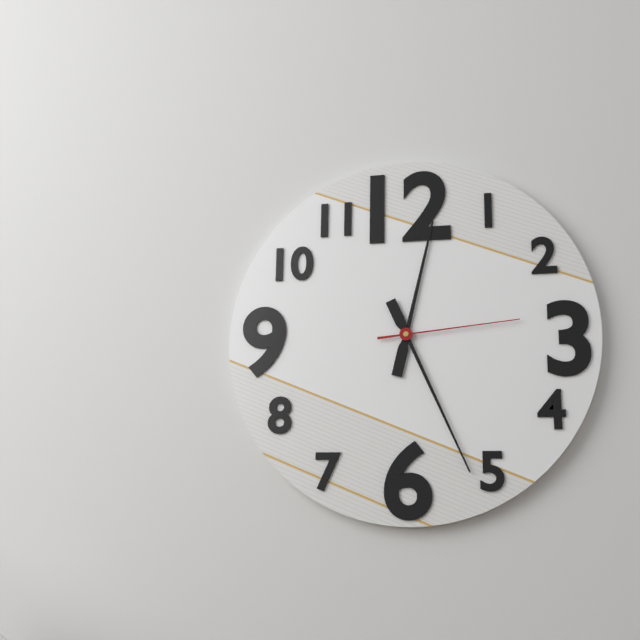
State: 12h26m14s
